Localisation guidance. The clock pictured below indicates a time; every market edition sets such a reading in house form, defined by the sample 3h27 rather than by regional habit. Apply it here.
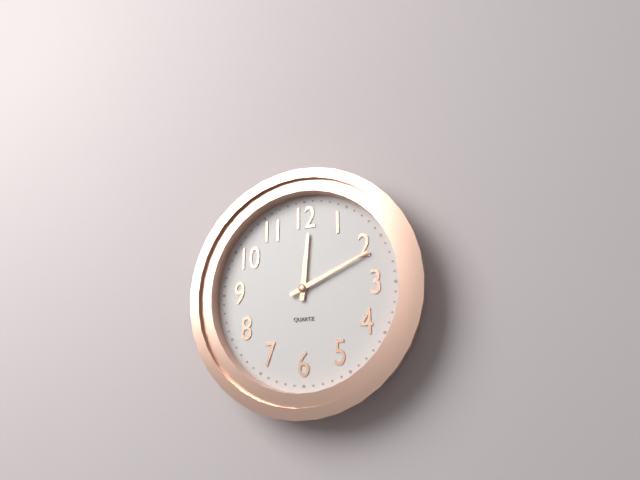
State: 12h11
